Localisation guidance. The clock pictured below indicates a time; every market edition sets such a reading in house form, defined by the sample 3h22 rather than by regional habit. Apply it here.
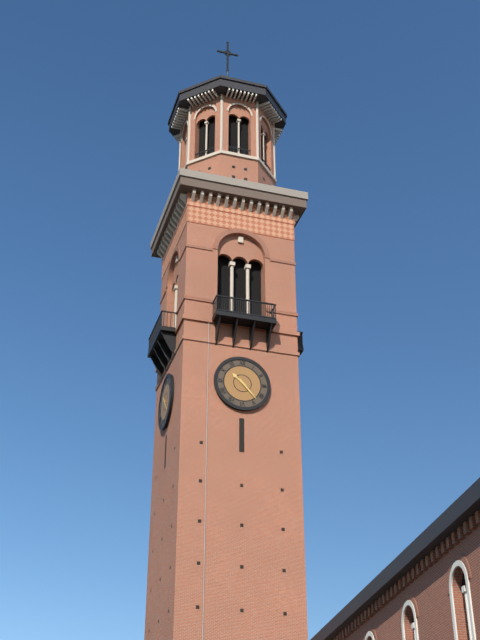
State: 10h23
